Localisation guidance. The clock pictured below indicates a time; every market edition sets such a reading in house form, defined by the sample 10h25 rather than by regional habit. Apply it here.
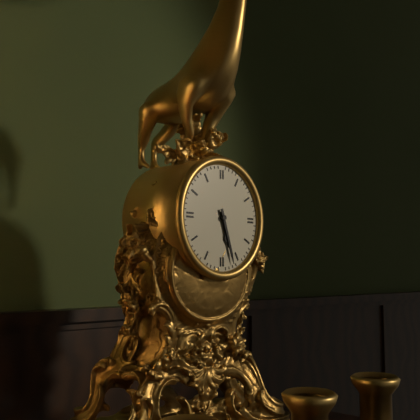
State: 5h27
